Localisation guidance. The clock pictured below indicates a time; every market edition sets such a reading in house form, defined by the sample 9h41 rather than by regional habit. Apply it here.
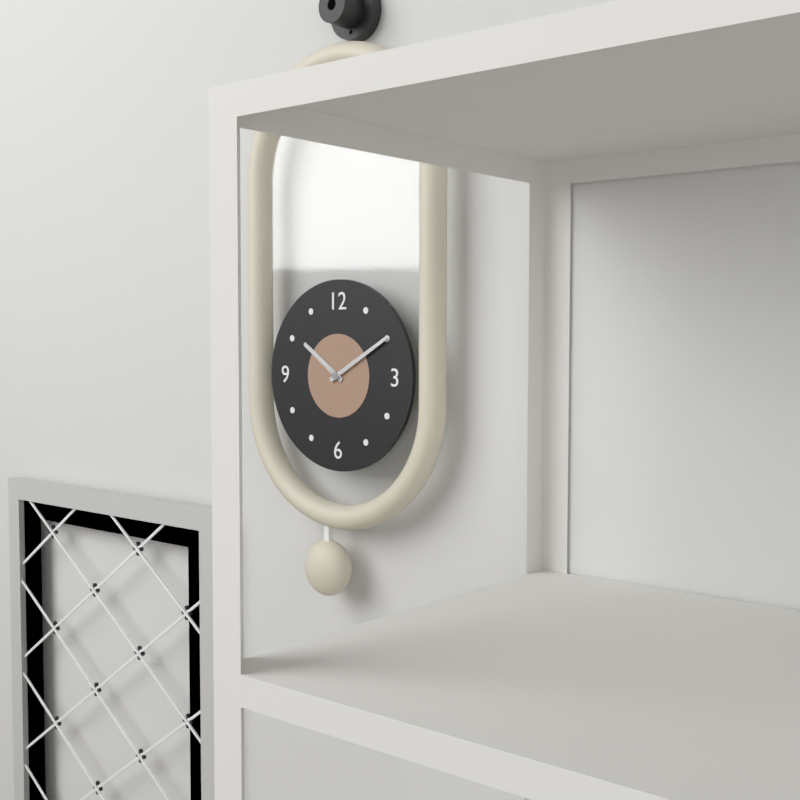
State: 10h10
